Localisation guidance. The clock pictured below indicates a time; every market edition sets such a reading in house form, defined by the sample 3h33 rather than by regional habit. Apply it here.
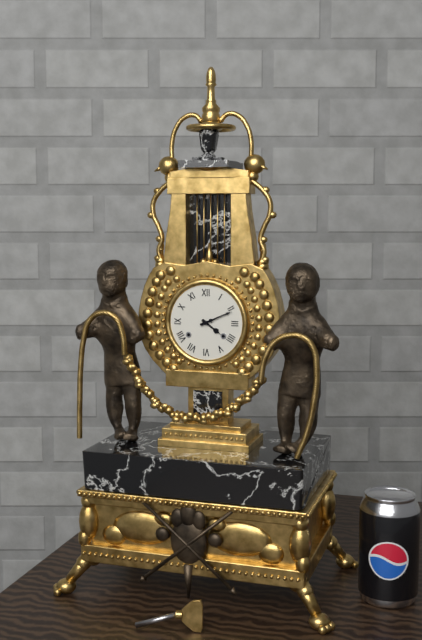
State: 4h11
